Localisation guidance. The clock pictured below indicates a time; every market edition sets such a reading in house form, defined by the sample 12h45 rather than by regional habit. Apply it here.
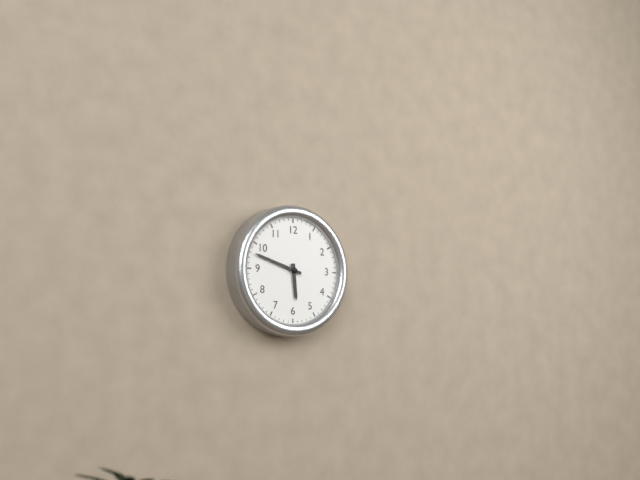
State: 5h48
